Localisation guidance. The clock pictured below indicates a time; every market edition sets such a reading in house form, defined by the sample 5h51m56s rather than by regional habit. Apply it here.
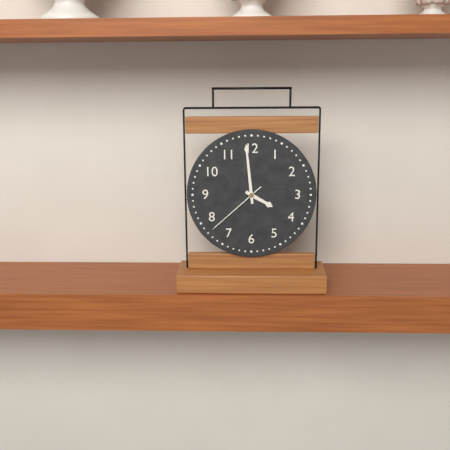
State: 3h59m38s
